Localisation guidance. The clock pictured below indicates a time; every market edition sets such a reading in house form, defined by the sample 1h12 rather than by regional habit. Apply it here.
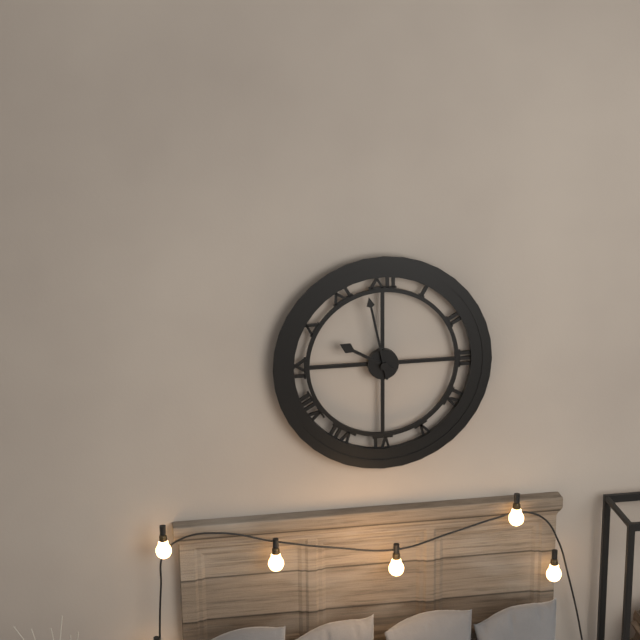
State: 9h58
